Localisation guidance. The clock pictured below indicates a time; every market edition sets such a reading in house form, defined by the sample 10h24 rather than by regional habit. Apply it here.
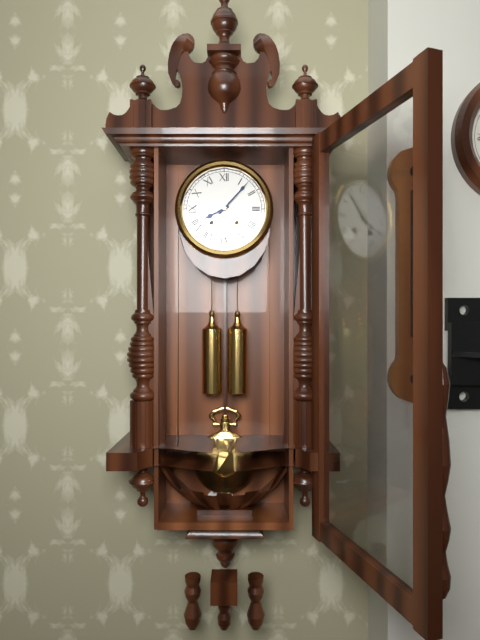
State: 8h07
